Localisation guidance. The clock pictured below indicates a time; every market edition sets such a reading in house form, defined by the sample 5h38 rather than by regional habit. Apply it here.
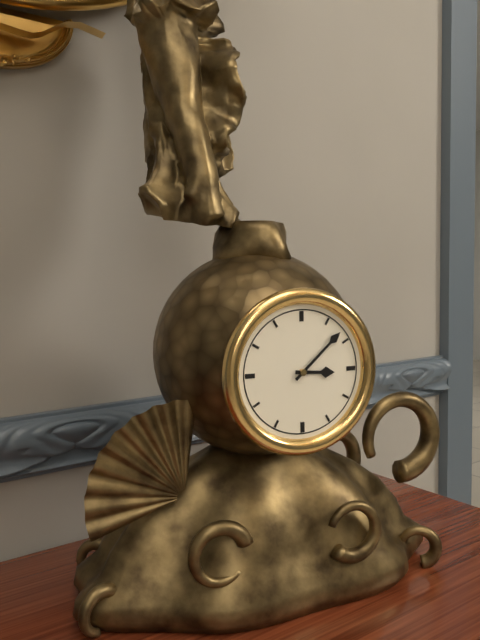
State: 3h08
